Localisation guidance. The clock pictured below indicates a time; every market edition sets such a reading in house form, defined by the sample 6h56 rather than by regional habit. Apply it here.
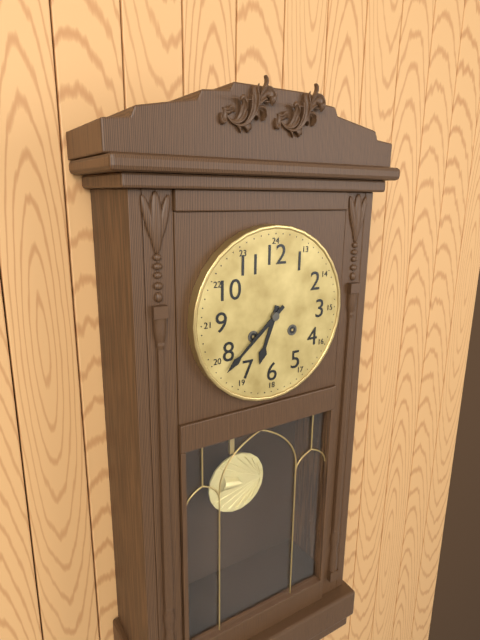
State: 6h38
